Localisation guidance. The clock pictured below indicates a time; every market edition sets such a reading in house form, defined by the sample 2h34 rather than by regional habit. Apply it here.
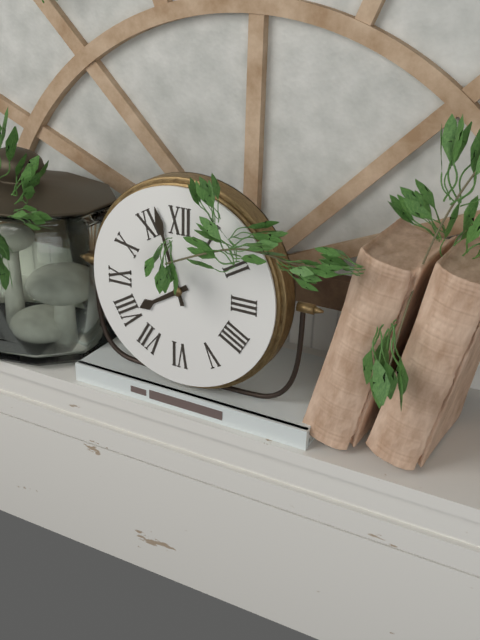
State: 7h57
